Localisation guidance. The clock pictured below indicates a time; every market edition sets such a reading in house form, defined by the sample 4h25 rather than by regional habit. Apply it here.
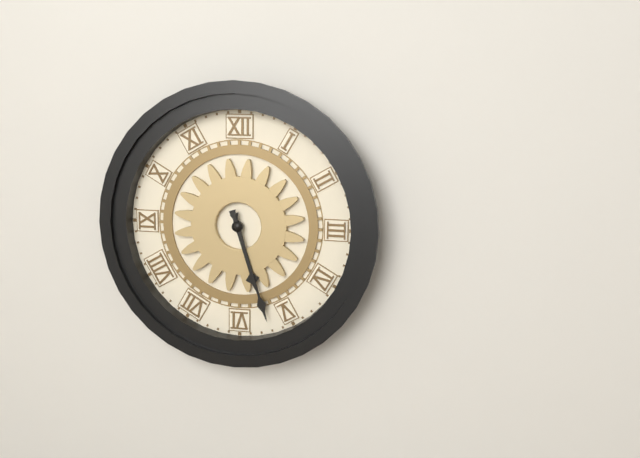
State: 5h27
